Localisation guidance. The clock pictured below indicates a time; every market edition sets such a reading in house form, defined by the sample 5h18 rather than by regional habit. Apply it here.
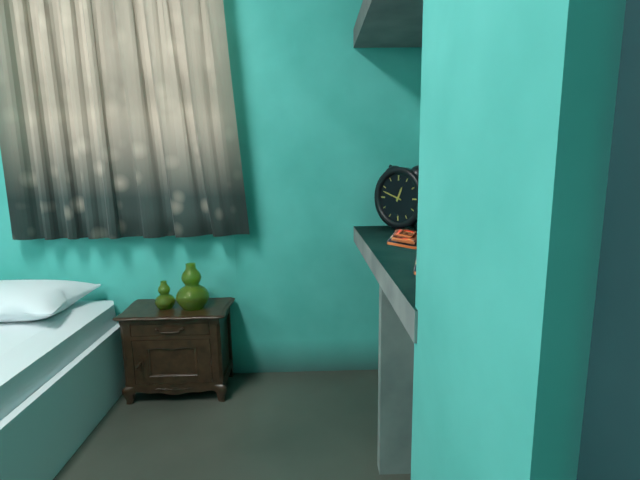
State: 12h48
